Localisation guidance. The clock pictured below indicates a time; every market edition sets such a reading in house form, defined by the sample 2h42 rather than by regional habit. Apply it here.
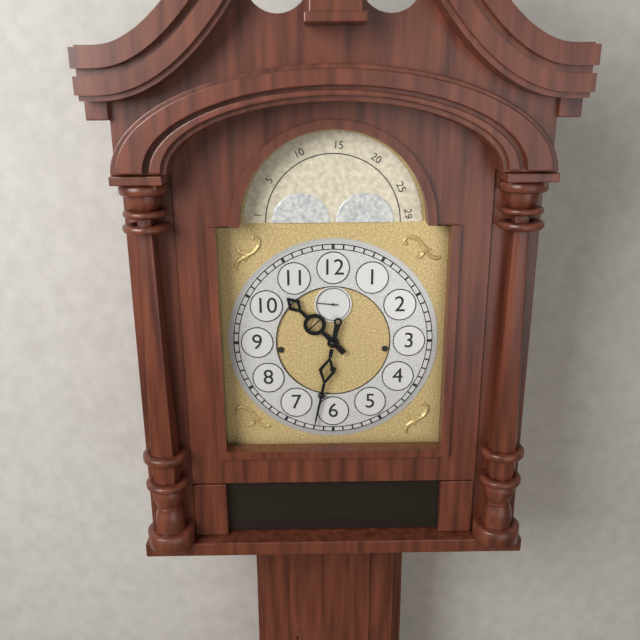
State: 10h32
